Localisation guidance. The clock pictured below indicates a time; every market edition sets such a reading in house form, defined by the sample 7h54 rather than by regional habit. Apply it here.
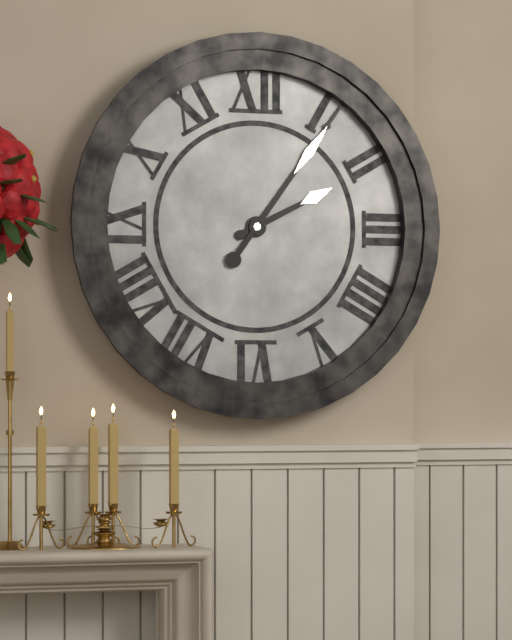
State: 2h06
